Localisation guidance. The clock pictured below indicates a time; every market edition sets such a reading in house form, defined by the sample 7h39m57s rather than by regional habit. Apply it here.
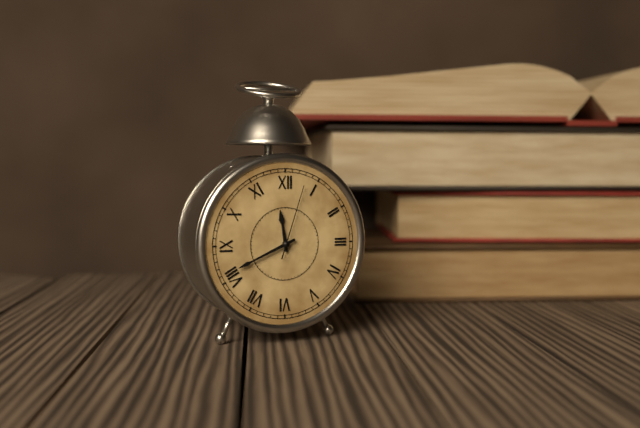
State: 11h41m03s
